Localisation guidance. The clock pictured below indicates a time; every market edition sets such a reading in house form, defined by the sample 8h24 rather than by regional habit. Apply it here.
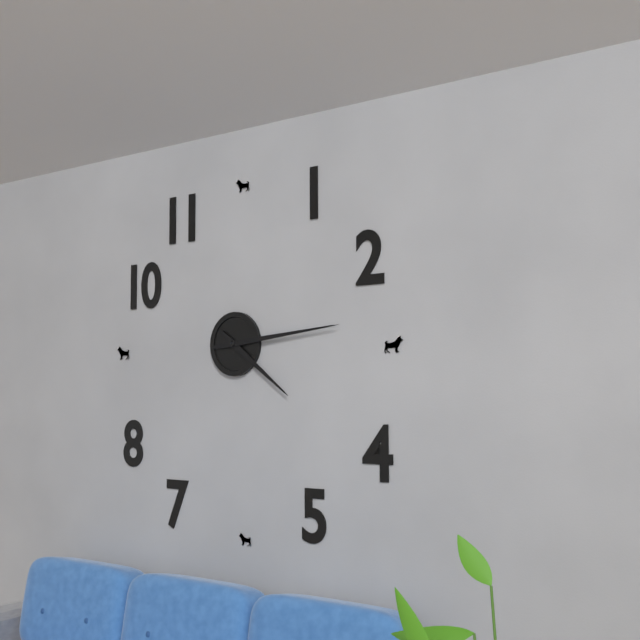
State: 4h14
